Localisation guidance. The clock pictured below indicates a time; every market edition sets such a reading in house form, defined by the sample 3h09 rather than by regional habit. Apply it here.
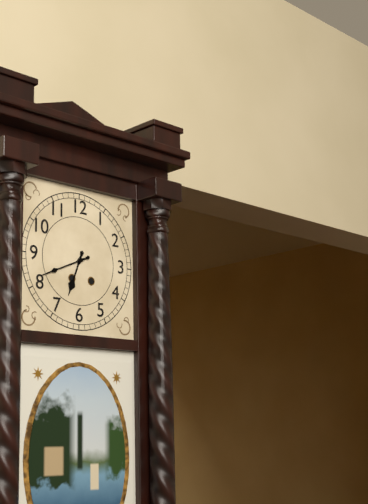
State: 6h41
